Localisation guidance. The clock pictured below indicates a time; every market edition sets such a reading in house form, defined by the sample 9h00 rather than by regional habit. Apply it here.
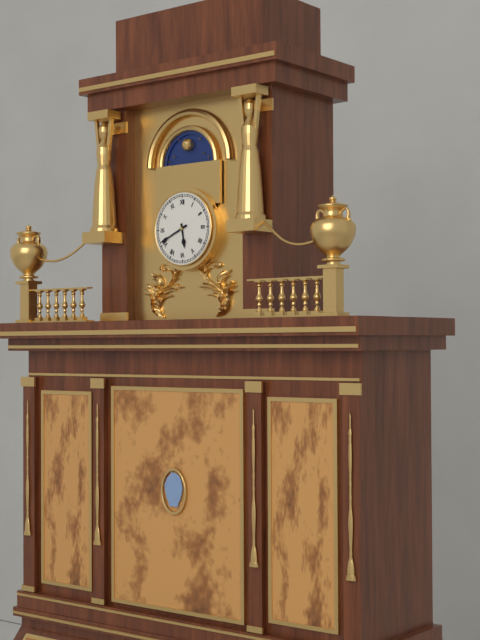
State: 5h41
